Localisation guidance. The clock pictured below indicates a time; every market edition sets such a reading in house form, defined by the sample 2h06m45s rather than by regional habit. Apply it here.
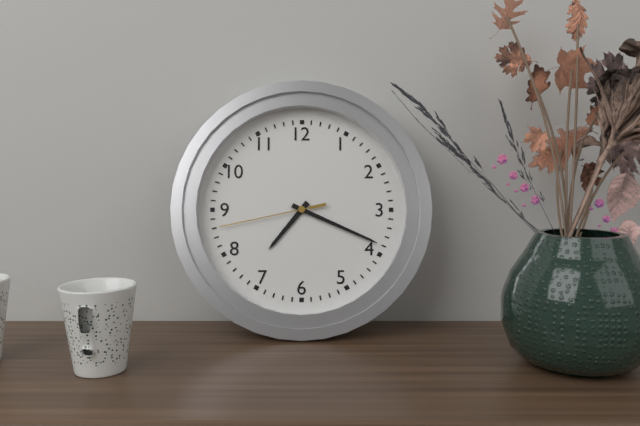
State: 7h19m43s
